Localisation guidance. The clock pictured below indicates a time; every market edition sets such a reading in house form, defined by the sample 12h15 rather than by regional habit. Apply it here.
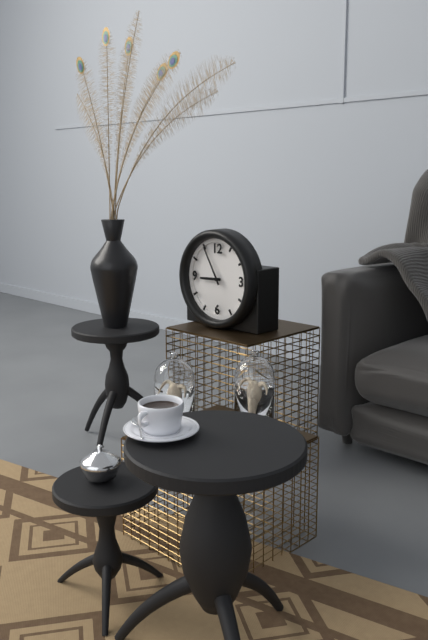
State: 8h55
